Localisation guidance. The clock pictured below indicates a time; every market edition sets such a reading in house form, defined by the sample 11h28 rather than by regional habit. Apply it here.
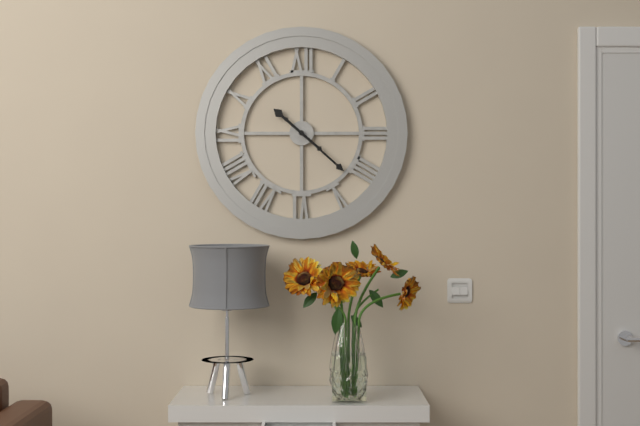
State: 10h22
